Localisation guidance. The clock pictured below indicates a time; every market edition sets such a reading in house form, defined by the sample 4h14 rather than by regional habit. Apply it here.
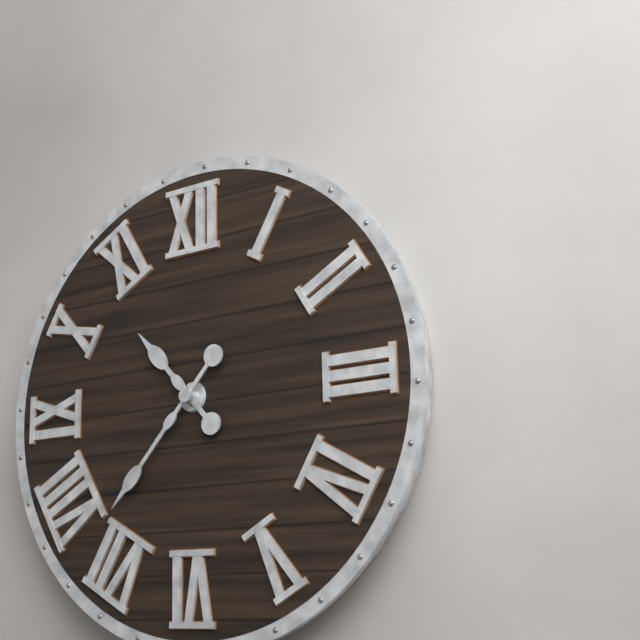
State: 10h37
